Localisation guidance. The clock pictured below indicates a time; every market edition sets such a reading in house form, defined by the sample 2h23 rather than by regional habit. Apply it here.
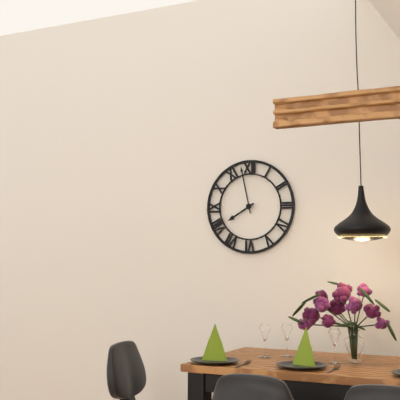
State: 7h58
